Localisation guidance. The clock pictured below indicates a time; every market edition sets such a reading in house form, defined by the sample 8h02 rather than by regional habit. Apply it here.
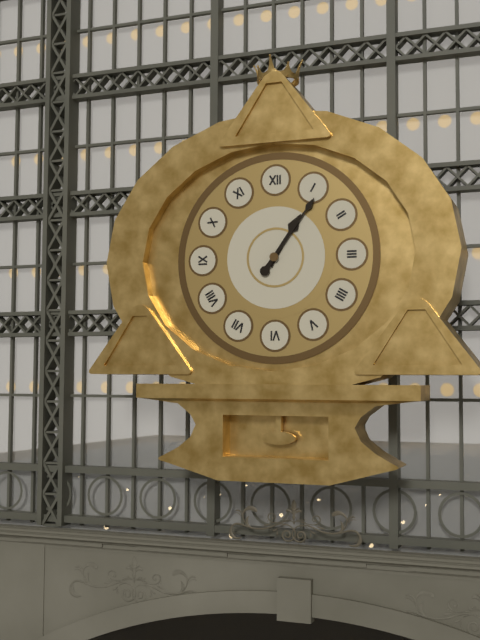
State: 1h06
